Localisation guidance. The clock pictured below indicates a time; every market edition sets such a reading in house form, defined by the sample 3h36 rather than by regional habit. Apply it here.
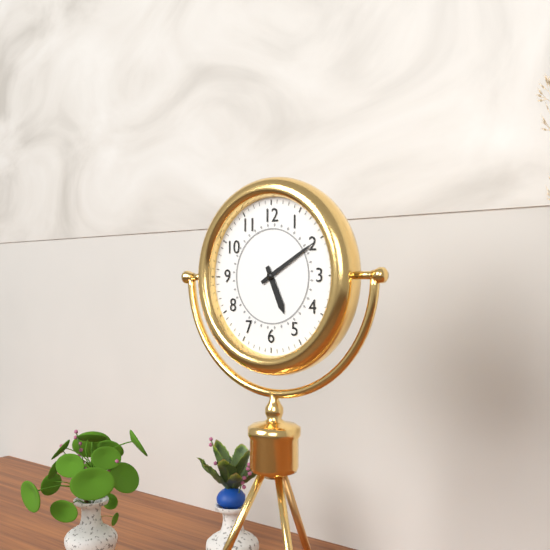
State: 5h10
